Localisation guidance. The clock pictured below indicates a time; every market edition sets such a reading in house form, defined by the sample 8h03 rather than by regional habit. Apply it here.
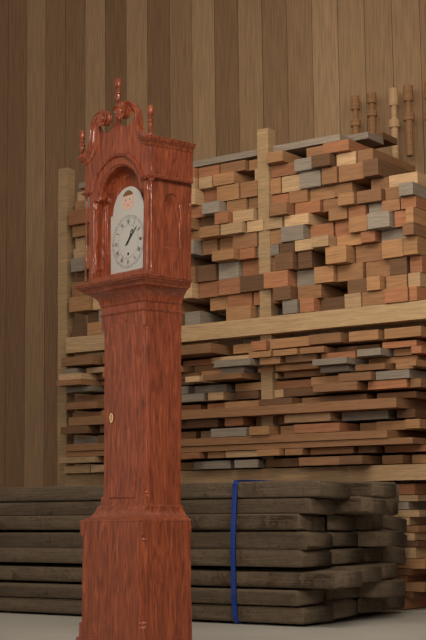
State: 1h08
